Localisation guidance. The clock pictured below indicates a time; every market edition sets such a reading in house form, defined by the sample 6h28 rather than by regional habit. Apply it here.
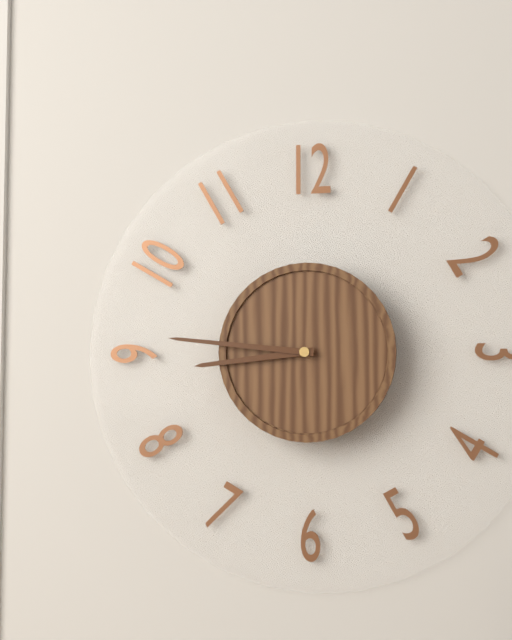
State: 8h46
